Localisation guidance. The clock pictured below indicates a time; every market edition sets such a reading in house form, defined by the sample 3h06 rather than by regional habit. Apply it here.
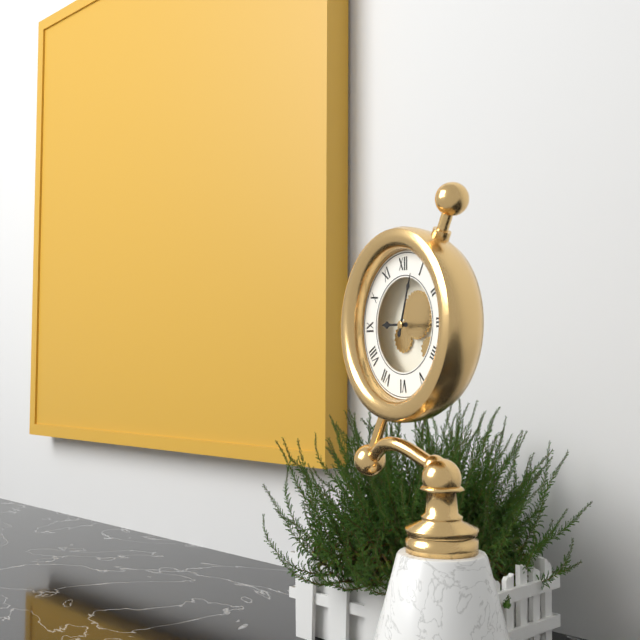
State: 9h03
